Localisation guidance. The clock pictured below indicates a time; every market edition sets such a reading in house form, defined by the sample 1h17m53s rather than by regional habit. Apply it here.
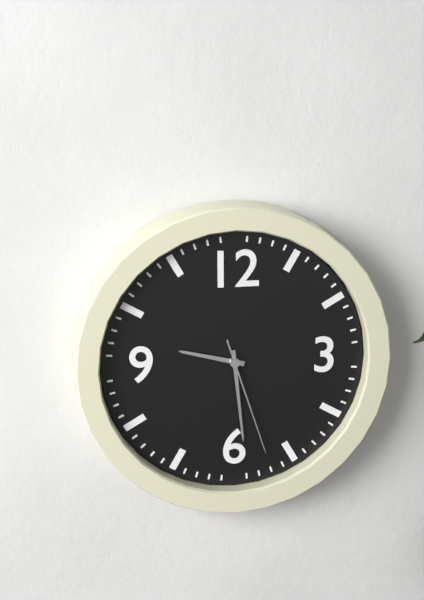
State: 9h29m27s
